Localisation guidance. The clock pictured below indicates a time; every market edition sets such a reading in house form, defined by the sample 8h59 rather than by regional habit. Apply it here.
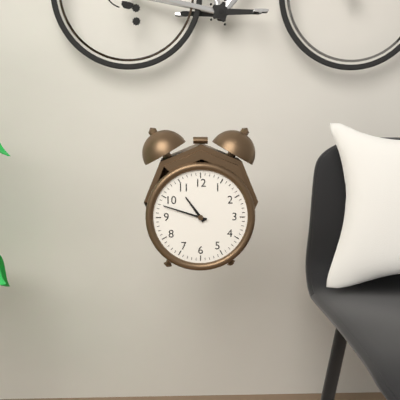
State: 10h48
